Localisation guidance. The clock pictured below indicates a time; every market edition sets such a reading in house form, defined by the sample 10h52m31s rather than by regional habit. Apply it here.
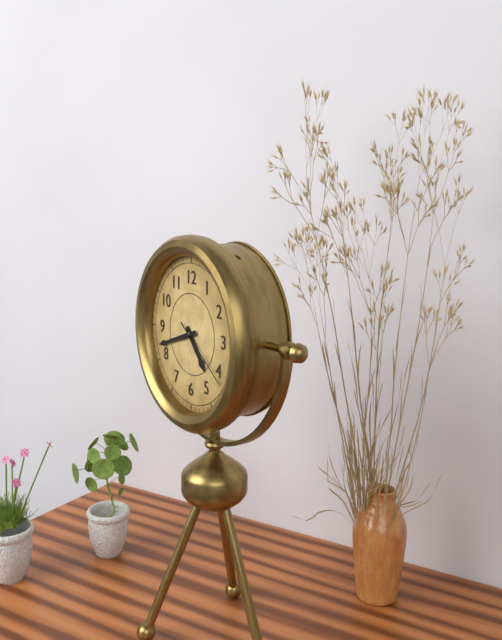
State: 4h42m21s
